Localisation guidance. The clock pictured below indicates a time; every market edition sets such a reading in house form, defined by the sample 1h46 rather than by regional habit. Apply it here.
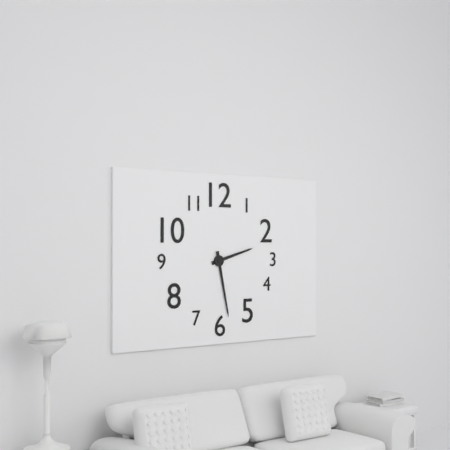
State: 2h28
